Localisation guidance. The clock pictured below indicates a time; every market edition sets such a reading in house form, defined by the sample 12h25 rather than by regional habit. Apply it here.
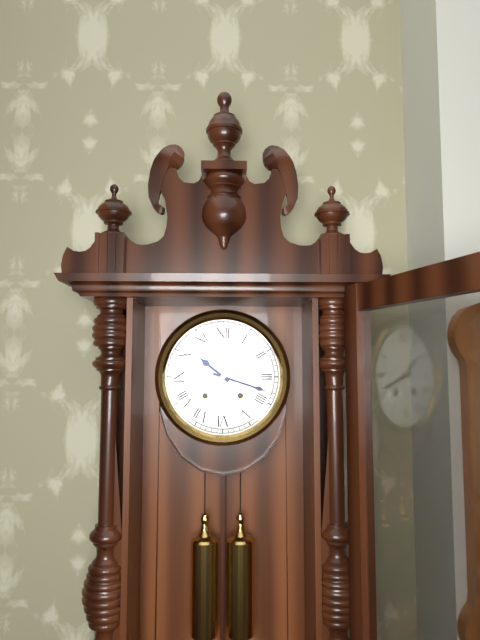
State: 10h18
